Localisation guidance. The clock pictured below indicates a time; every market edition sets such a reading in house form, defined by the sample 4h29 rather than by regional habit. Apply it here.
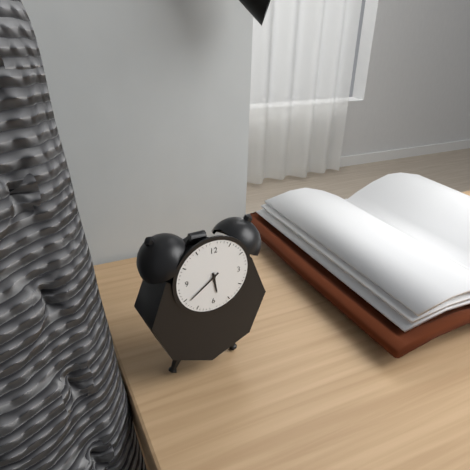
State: 5h39
